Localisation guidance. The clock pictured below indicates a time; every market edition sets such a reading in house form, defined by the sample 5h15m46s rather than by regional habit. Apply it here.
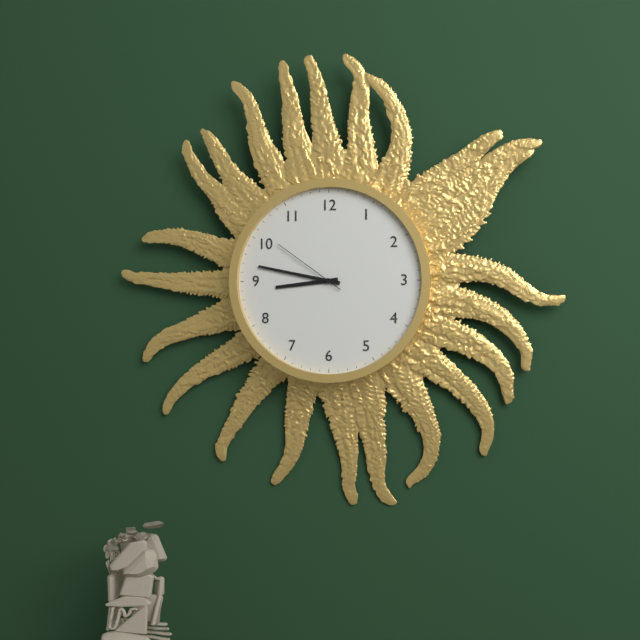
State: 8h47m51s
